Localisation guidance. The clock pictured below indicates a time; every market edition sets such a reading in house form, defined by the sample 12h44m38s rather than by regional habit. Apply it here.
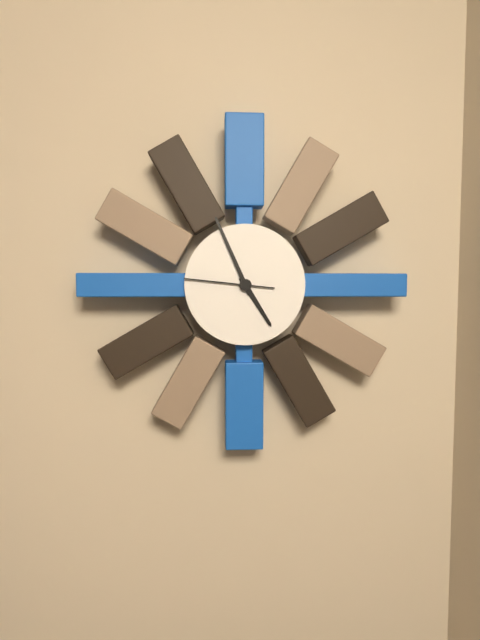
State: 4h56m46s
